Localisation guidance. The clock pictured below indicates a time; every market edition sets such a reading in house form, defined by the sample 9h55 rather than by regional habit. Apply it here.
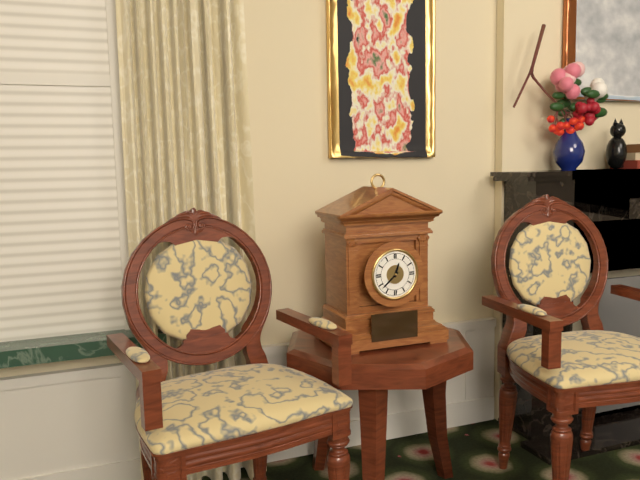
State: 12h38
